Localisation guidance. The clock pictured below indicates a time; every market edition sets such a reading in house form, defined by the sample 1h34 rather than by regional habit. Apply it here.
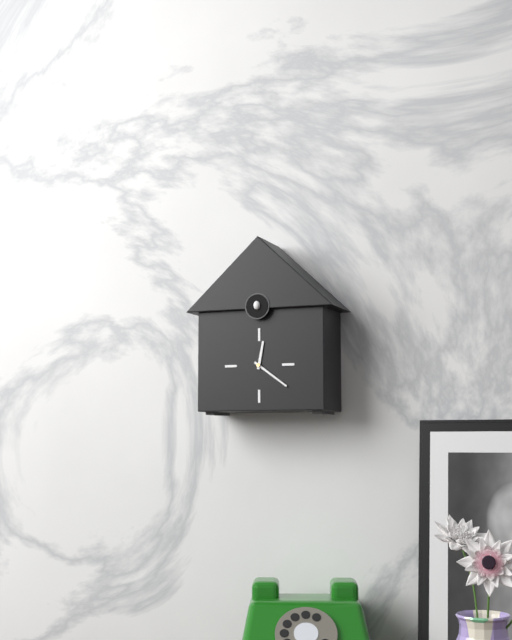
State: 12h21
